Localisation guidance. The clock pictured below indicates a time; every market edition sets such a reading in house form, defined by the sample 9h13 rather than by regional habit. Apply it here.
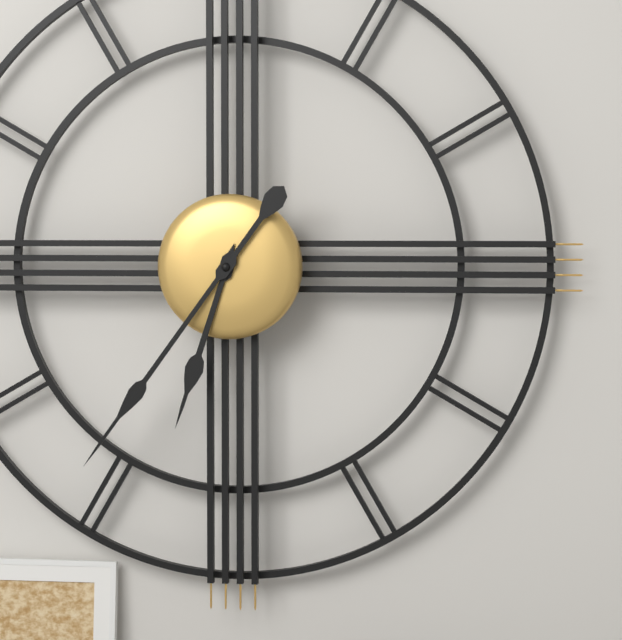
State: 6h36
